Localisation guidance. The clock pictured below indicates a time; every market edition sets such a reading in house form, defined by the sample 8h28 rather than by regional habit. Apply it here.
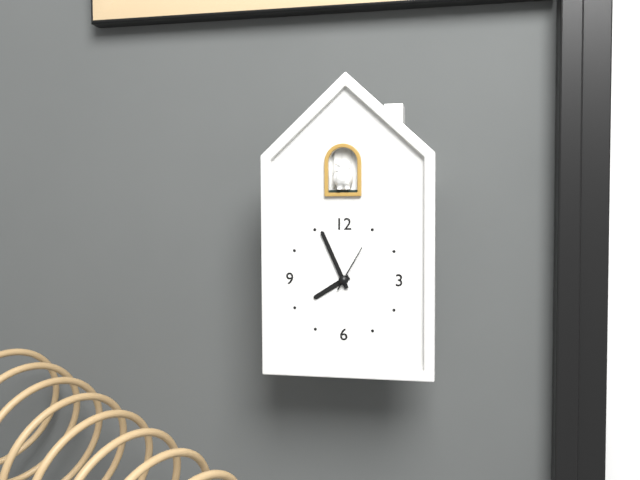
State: 7h56
